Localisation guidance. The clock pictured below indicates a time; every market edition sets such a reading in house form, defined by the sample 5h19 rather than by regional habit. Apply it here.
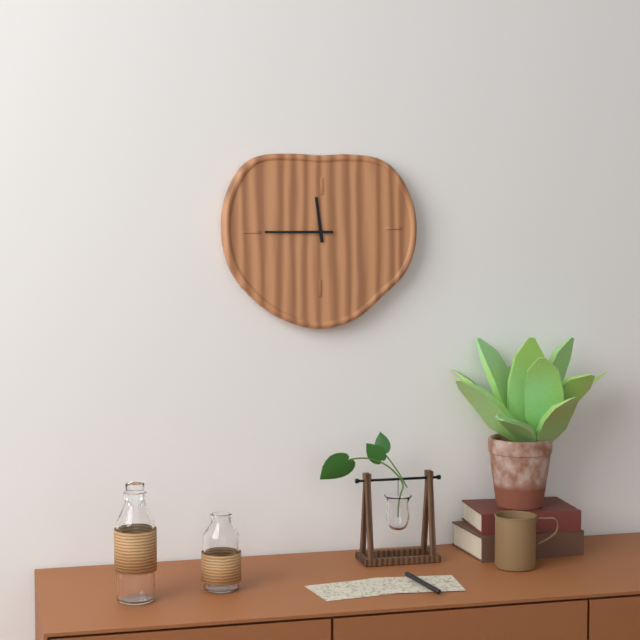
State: 11h45
